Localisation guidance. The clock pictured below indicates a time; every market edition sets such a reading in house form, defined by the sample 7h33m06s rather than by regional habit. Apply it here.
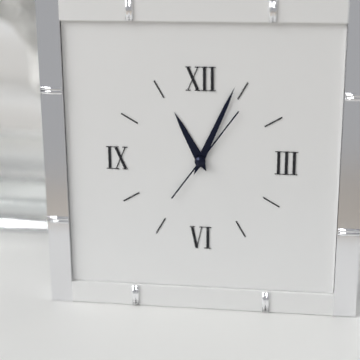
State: 11h04m06s
